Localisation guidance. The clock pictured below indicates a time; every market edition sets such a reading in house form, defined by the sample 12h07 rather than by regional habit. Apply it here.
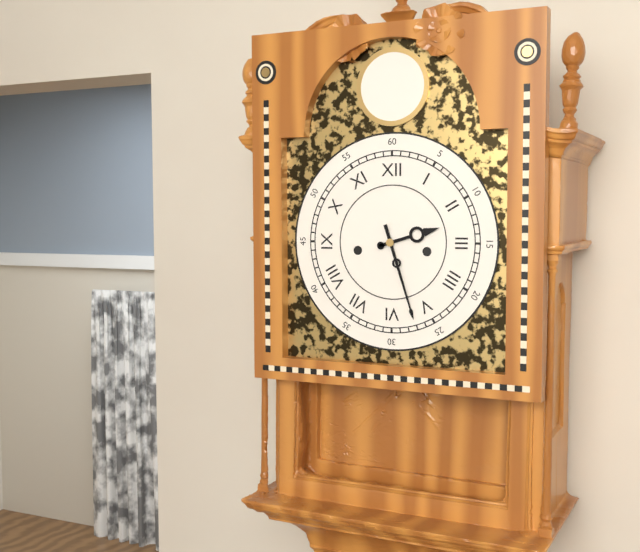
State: 2h27
